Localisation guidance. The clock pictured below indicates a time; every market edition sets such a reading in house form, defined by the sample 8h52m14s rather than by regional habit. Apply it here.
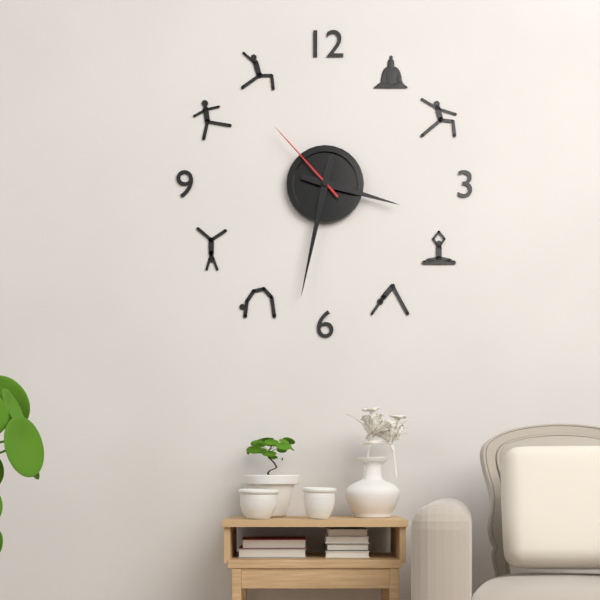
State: 3h32m53s
